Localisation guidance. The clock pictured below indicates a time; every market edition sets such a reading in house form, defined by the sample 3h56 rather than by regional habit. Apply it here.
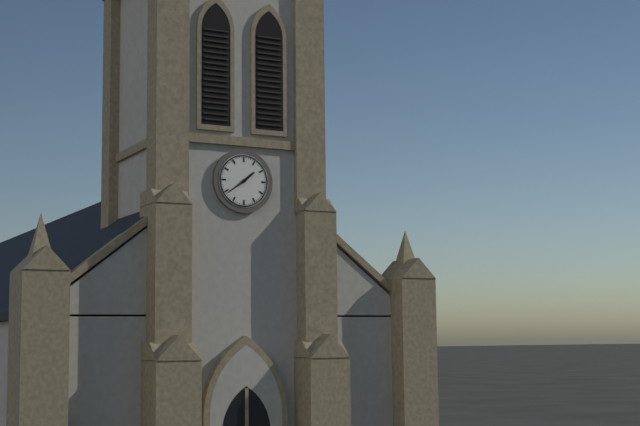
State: 1h39
